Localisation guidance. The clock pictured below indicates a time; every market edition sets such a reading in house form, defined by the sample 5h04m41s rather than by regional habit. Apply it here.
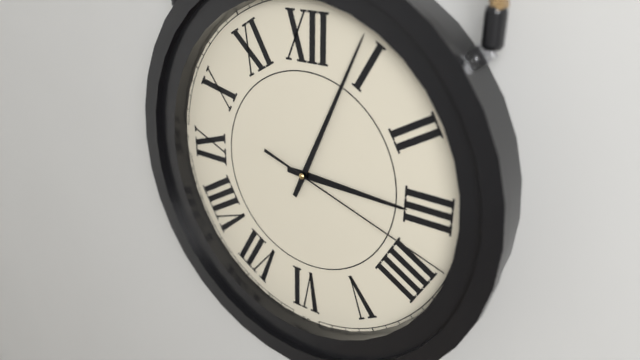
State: 3h04m18s
